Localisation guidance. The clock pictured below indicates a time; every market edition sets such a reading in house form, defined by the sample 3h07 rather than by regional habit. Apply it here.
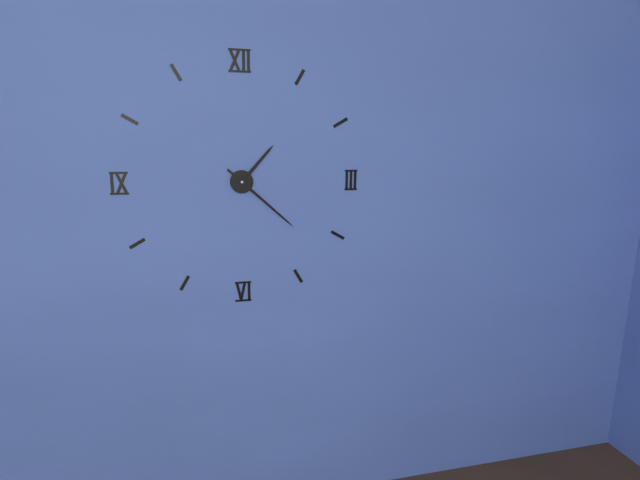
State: 1h22
